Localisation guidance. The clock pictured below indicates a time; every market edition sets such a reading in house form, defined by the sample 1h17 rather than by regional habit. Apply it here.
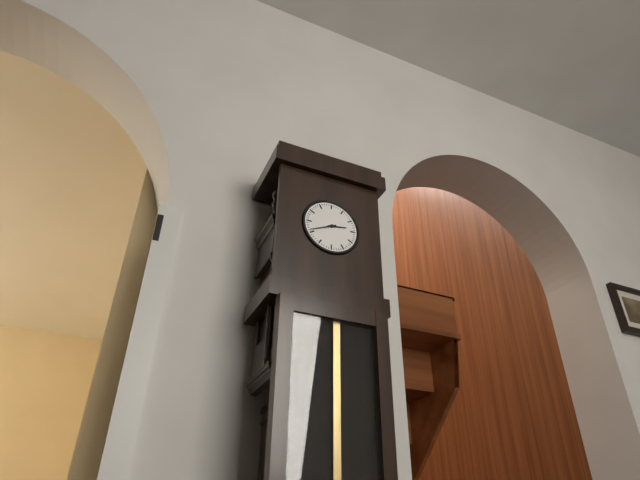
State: 2h41
